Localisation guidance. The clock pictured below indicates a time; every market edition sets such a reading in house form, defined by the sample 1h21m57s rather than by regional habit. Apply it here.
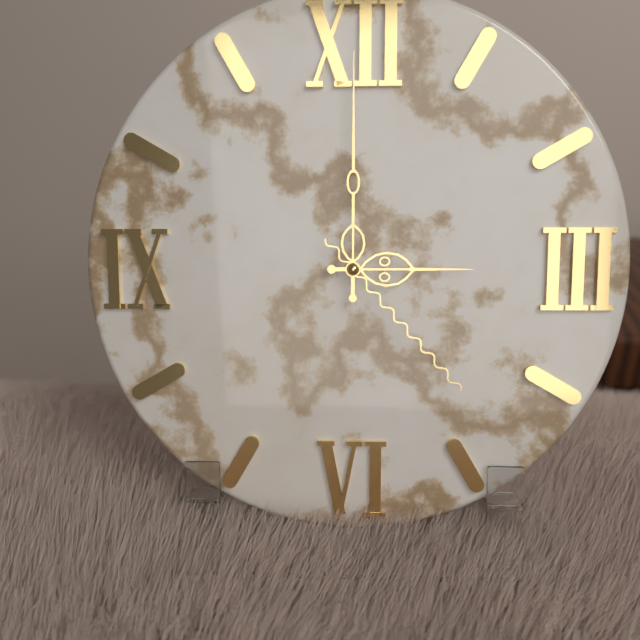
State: 3h00m23s
